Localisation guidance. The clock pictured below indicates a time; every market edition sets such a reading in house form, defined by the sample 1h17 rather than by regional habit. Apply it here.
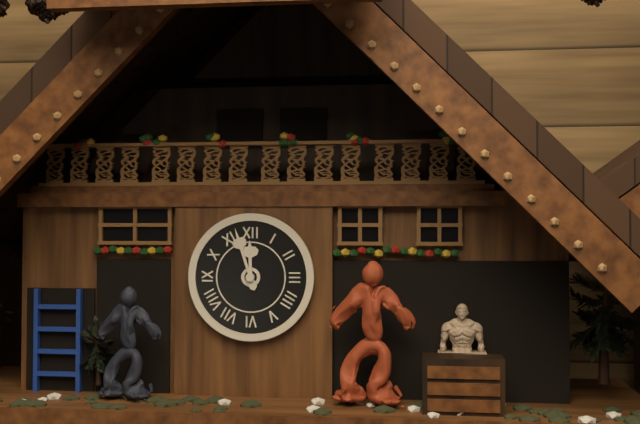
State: 11h57
